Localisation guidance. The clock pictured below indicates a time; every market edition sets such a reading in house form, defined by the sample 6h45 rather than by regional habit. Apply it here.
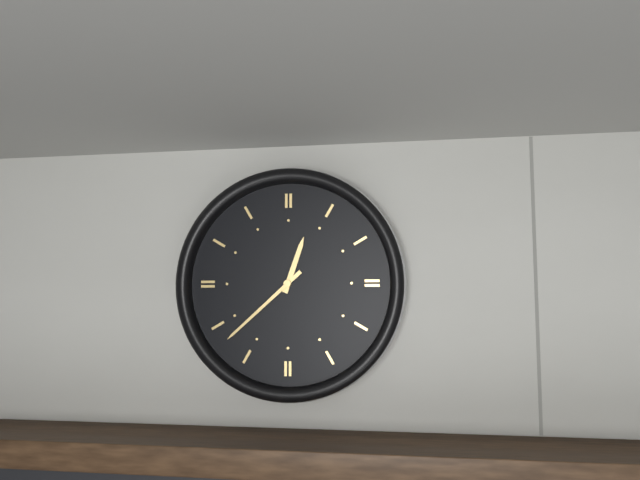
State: 12h38
